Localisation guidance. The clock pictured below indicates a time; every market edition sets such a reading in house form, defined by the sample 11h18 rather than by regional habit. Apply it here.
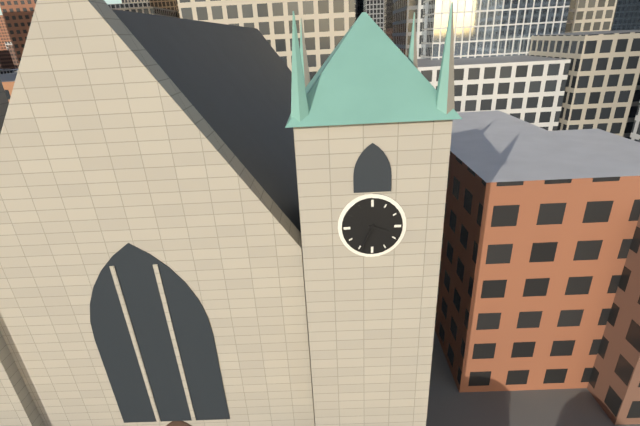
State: 3h34
